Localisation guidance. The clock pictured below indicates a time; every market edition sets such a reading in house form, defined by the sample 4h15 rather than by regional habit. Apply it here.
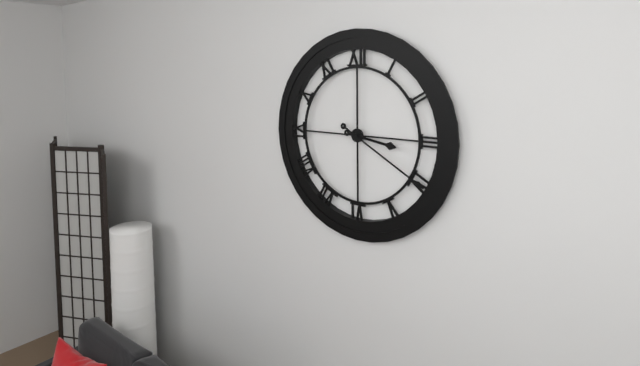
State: 3h20
